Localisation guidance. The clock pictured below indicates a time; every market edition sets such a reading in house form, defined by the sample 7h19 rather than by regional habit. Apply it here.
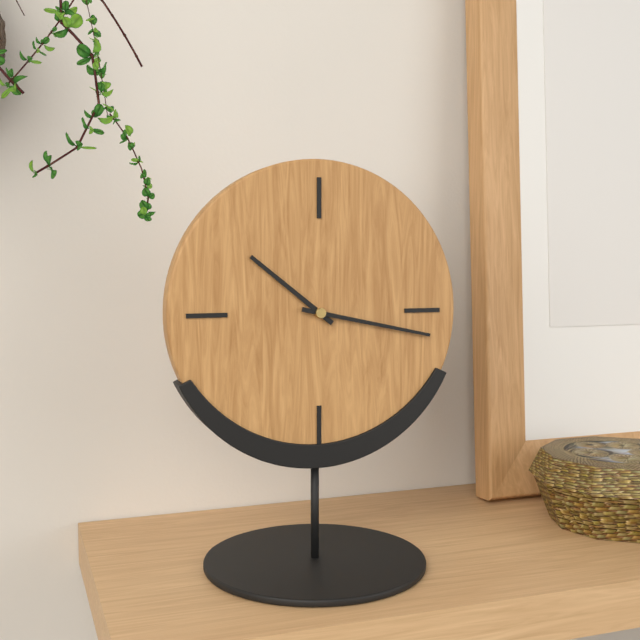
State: 10h17
